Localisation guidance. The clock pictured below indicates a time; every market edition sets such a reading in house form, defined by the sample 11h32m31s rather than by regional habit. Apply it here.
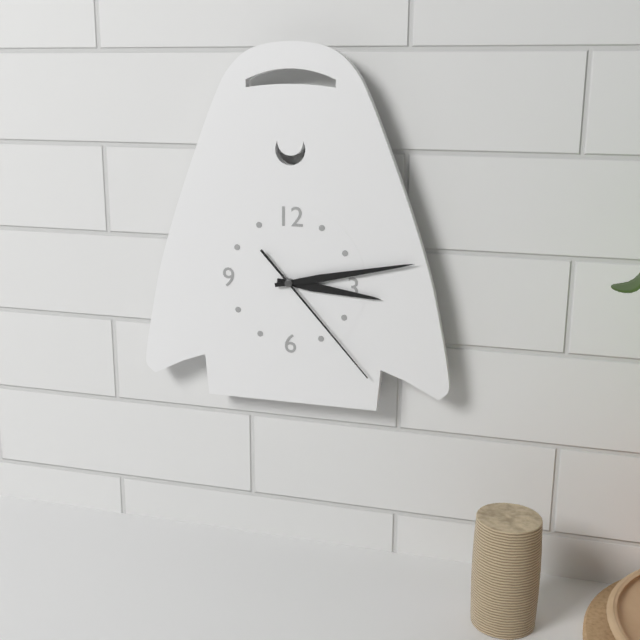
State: 3h13m23s
